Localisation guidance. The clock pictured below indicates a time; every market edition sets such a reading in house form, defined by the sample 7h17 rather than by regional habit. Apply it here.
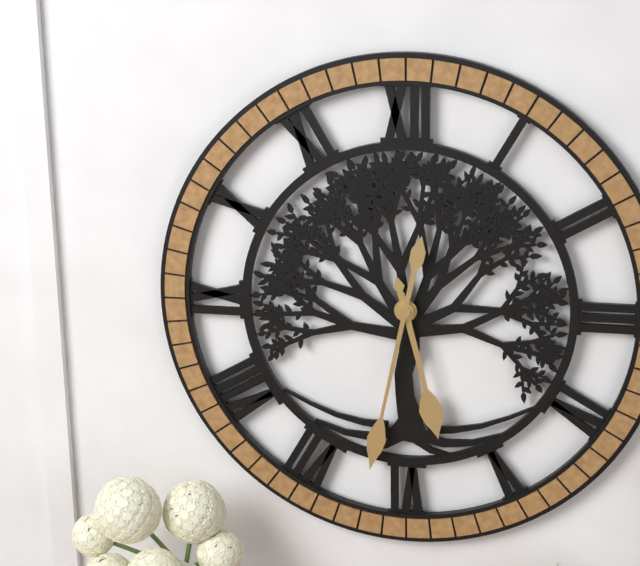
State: 5h32
